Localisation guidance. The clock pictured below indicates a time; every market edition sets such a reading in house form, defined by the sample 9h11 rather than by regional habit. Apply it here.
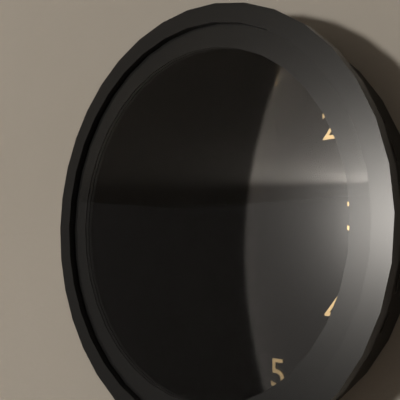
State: 5h54
